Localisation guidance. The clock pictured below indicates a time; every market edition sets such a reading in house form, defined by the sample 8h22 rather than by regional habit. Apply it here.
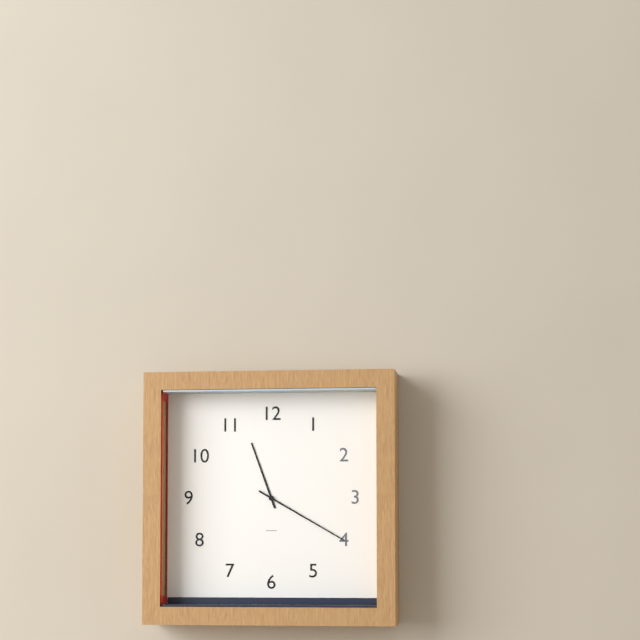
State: 11h20
